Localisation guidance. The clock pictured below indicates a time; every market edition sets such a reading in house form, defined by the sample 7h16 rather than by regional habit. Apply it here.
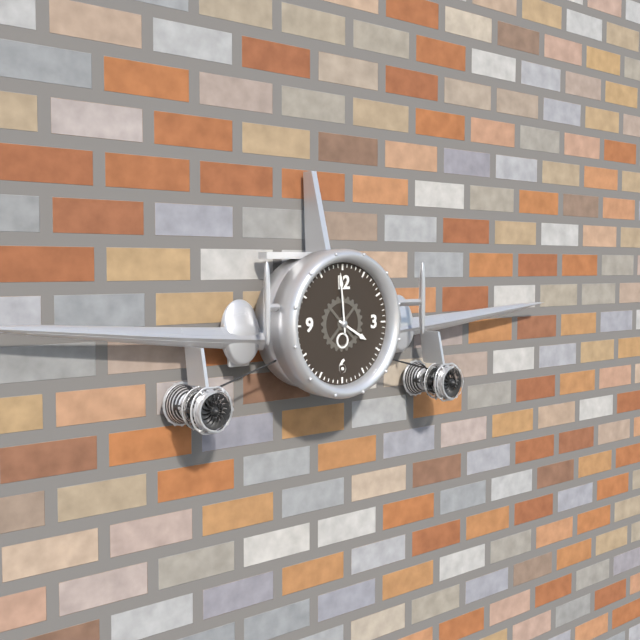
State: 3h59
